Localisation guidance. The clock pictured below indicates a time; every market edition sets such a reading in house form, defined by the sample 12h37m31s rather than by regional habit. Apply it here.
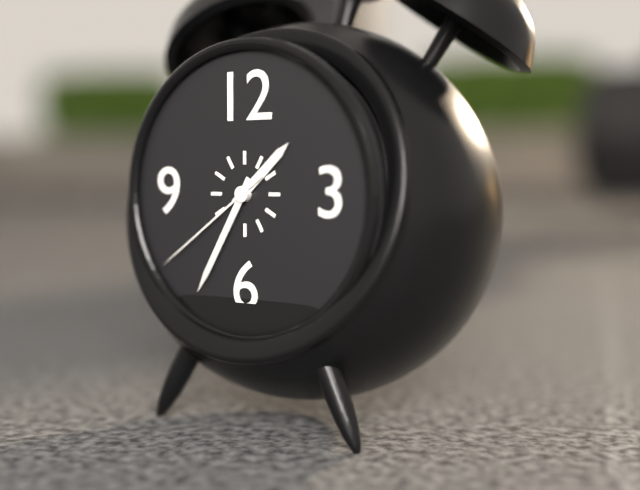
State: 1h35m39s
